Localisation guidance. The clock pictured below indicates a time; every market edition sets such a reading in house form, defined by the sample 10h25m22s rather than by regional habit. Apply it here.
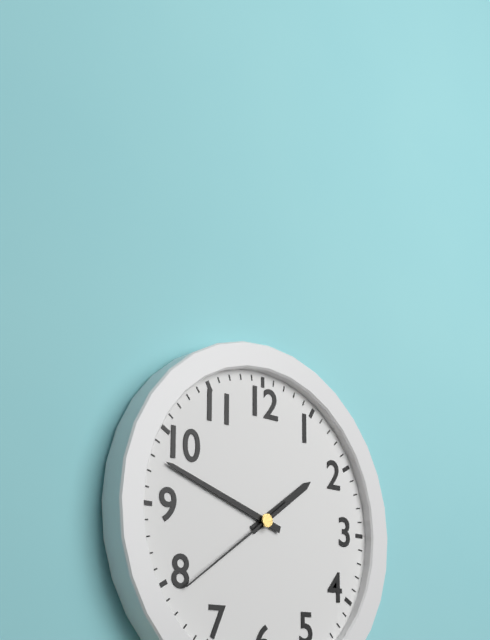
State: 1h48m39s
